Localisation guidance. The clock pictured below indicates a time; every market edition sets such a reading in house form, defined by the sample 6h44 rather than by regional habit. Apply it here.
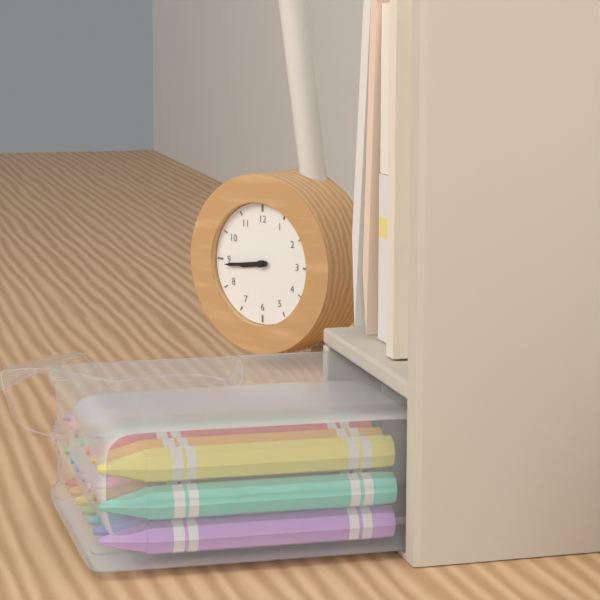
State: 8h44
